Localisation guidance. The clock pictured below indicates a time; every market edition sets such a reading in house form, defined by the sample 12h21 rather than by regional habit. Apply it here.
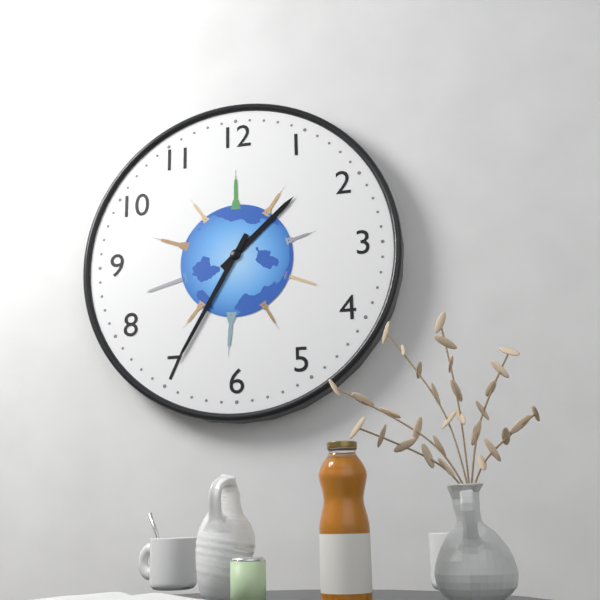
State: 1h35
